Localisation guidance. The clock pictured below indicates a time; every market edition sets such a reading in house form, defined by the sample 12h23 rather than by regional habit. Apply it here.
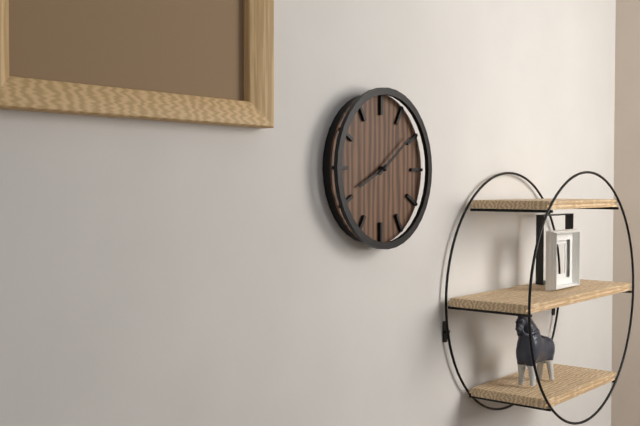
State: 8h09
